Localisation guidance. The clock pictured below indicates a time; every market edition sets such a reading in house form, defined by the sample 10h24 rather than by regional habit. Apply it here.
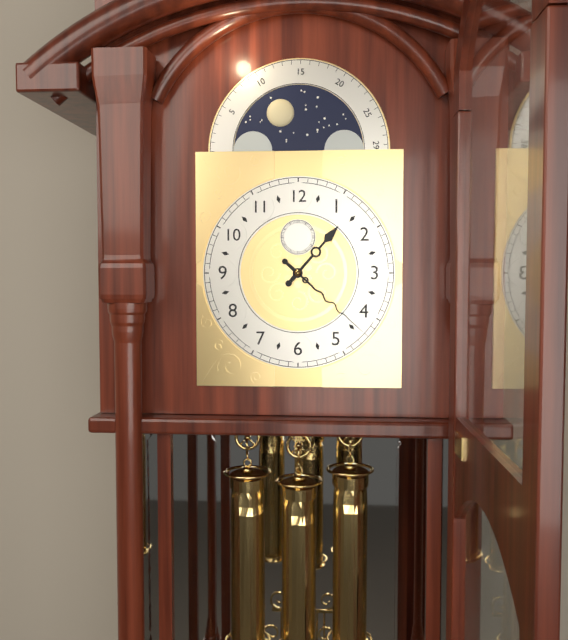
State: 1h22
